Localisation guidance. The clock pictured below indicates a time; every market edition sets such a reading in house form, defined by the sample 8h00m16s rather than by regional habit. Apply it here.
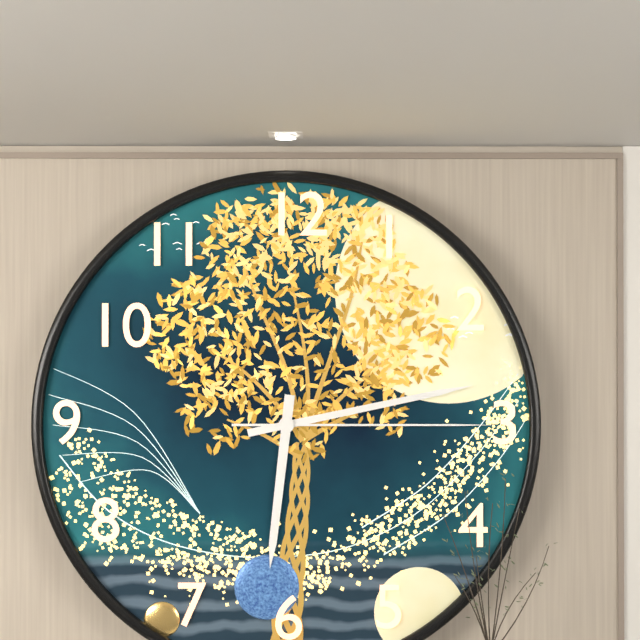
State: 6h13m15s
